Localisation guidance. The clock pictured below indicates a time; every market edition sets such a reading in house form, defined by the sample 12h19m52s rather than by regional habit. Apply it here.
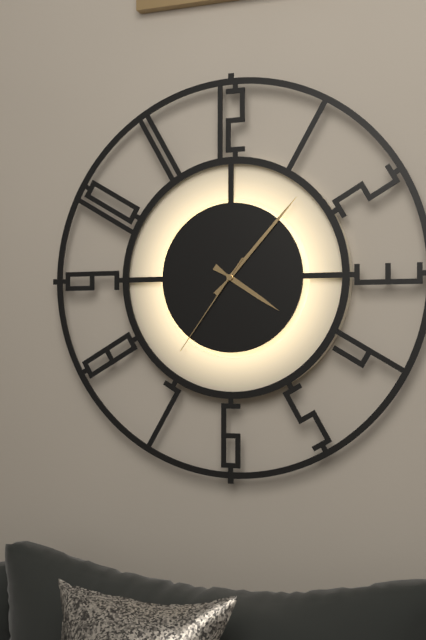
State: 4h07m36s
